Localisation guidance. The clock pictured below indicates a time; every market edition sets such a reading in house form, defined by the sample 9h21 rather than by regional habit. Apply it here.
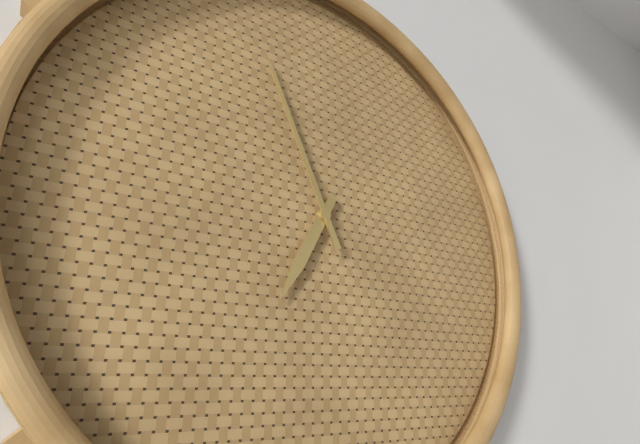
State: 6h56
